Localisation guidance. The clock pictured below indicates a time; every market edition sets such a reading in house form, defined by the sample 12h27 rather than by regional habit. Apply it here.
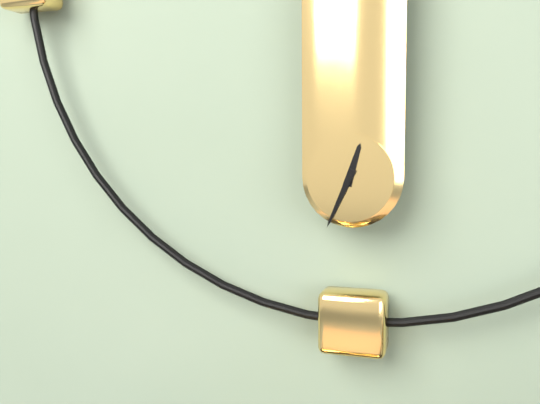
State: 12h34
